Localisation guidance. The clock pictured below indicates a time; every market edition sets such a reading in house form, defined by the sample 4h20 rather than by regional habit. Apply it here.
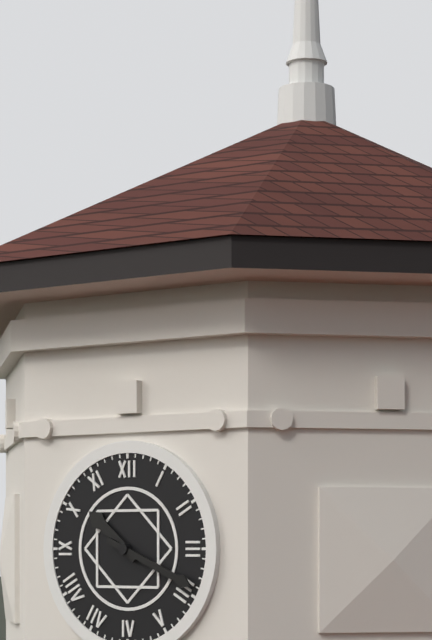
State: 10h19
